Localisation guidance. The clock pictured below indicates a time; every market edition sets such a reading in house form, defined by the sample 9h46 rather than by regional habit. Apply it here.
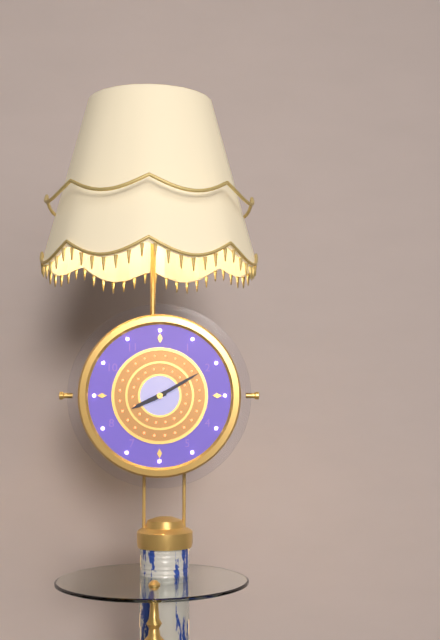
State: 8h10
